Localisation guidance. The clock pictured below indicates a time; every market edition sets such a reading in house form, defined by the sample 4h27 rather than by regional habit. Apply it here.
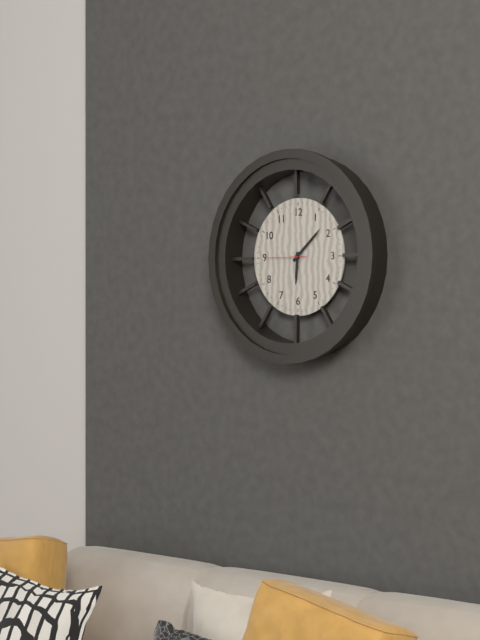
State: 6h08
